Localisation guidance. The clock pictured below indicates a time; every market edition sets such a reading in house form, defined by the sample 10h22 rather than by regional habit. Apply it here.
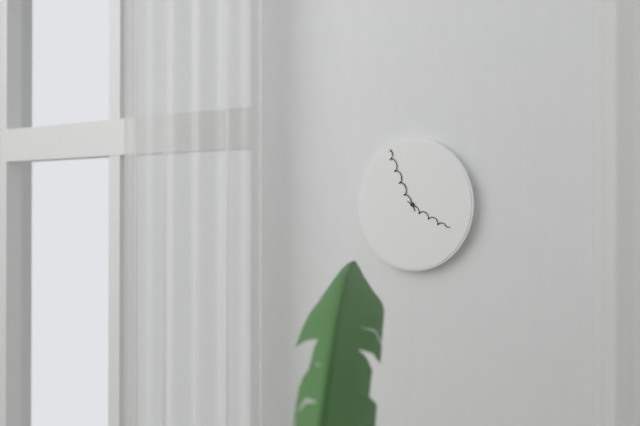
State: 3h56
